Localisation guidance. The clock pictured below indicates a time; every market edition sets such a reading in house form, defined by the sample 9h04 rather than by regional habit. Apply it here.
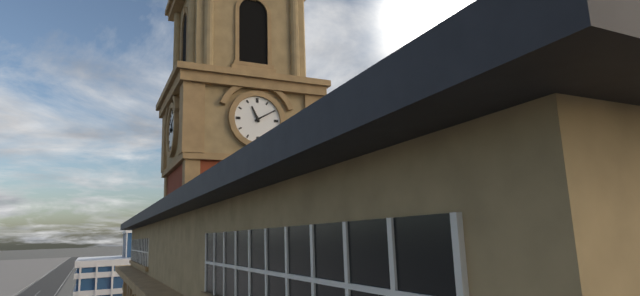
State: 11h10
